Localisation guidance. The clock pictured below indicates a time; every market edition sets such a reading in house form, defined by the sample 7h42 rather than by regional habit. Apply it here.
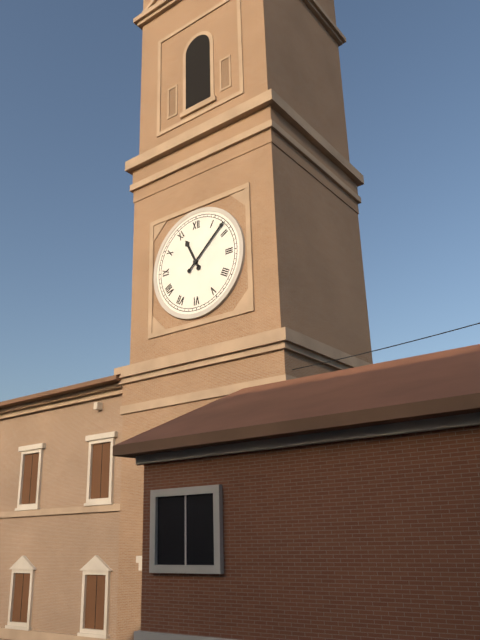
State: 11h08
